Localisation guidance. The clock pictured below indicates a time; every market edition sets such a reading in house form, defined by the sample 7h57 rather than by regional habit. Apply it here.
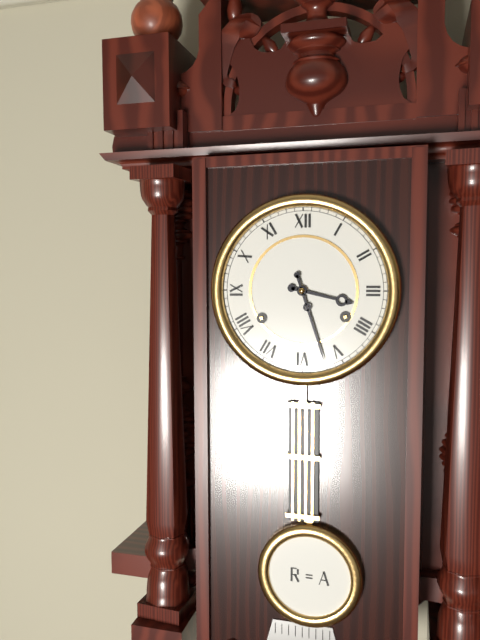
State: 3h27
